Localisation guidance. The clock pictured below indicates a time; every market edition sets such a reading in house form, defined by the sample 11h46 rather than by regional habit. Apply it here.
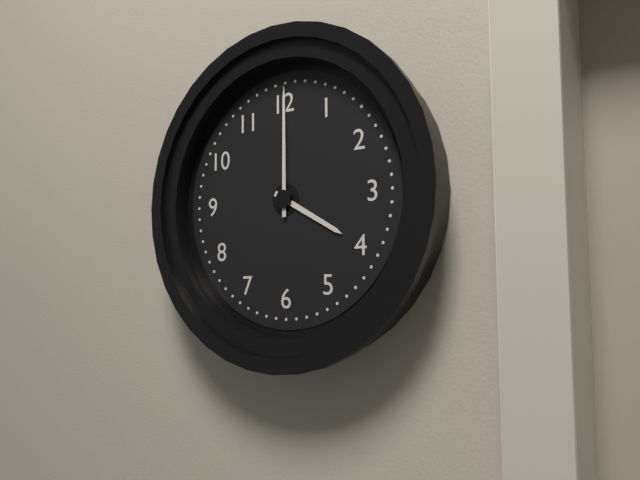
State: 4h00
